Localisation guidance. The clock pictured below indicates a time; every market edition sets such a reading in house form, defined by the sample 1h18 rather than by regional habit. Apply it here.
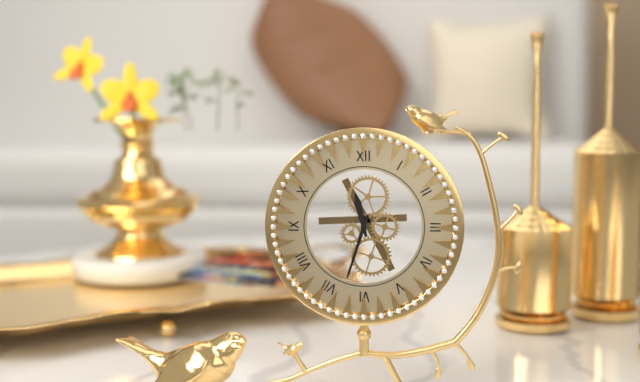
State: 11h33
